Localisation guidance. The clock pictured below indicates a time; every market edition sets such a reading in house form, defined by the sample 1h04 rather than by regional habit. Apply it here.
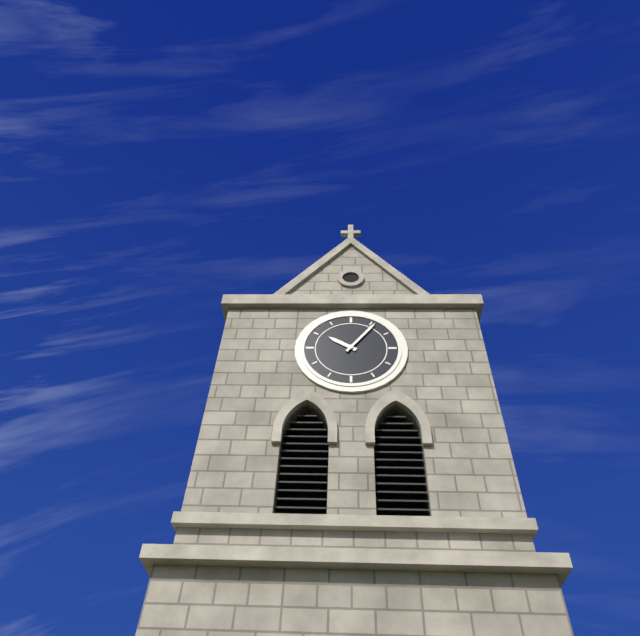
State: 10h06
